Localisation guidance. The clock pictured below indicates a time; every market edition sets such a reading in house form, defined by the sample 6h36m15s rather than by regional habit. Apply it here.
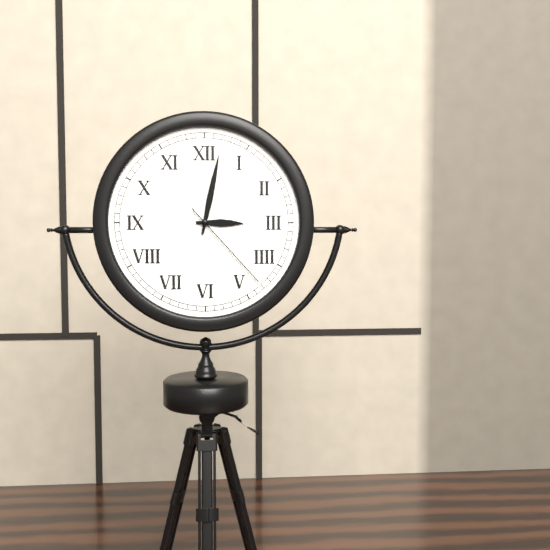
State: 3h02m23s
